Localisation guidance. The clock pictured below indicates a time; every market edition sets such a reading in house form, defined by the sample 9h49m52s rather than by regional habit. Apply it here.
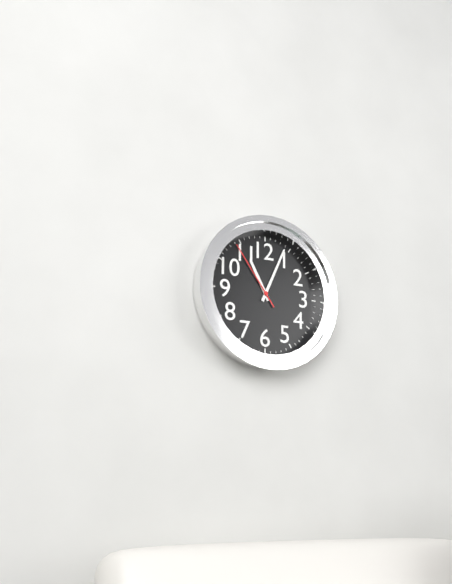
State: 11h04m54s
